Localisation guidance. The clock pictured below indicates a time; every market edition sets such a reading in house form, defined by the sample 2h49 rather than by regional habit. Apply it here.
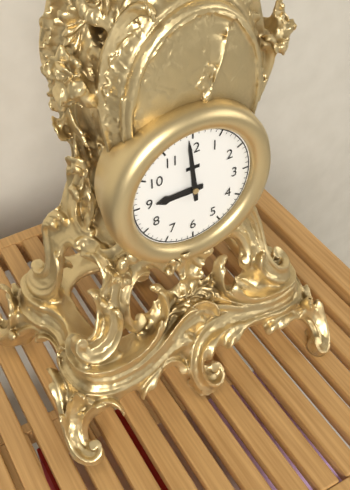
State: 8h59
